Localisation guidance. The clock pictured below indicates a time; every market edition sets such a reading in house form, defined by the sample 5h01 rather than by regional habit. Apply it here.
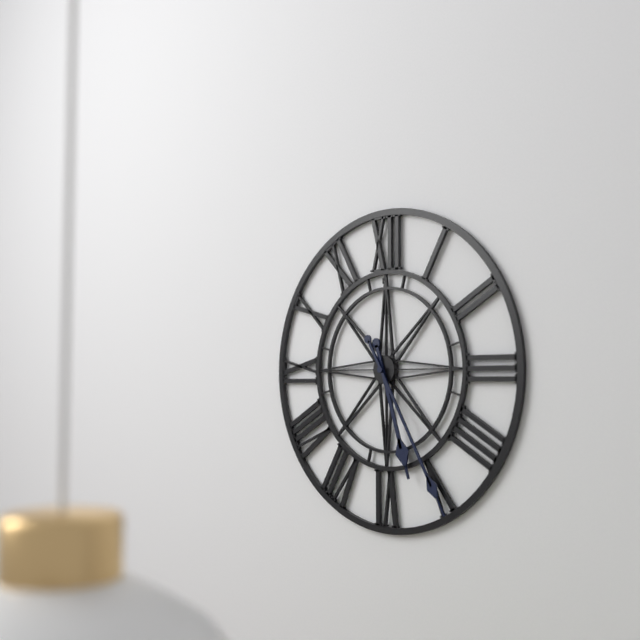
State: 5h25
